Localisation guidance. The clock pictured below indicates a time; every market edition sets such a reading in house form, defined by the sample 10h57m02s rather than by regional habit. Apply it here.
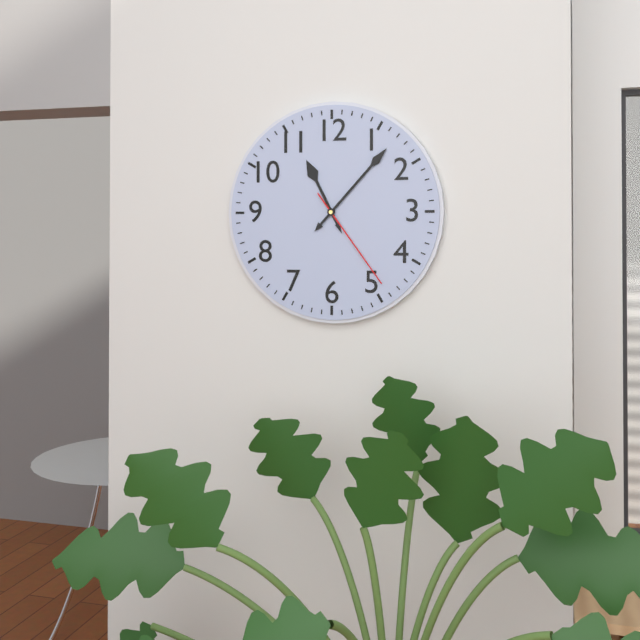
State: 11h07m24s
